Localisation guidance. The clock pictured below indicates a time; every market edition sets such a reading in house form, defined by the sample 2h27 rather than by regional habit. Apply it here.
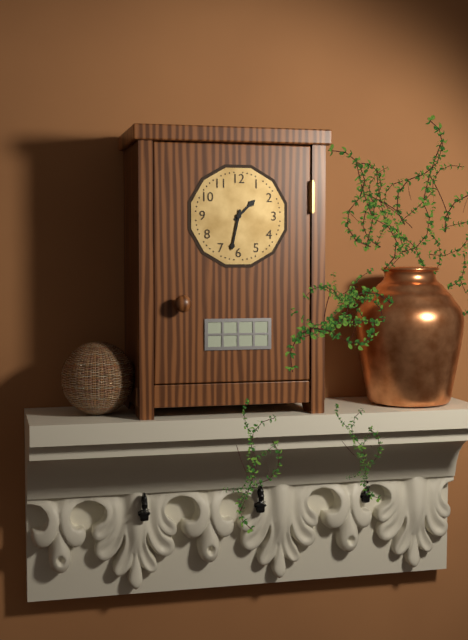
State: 1h32
